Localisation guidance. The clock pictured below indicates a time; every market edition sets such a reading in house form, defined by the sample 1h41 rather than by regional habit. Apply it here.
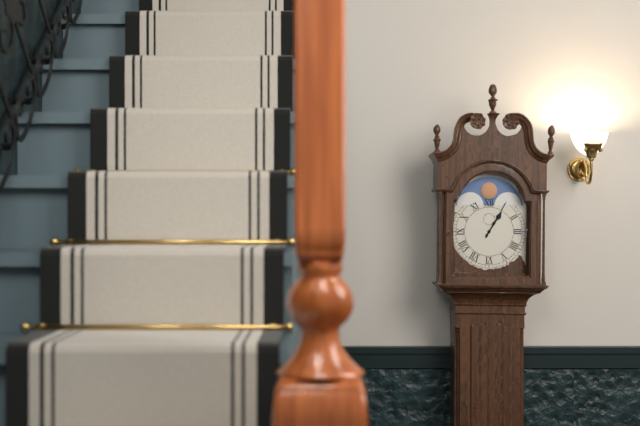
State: 1h05
